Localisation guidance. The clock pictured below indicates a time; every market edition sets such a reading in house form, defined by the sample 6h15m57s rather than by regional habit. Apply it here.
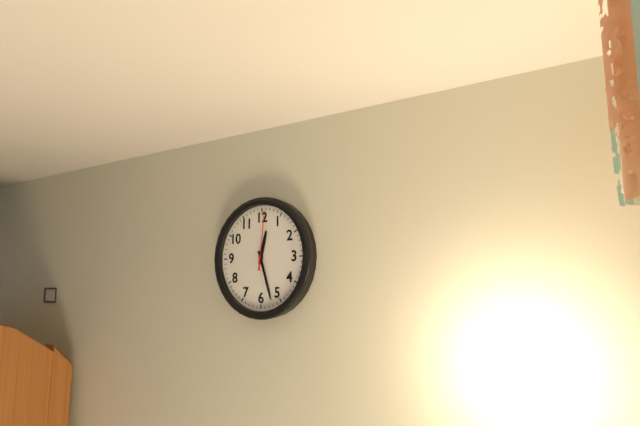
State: 12h27m01s
